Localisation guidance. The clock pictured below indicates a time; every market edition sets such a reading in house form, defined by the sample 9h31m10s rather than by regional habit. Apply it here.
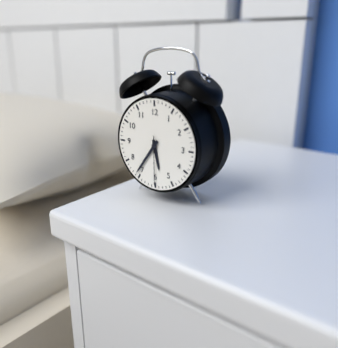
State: 5h36m30s
